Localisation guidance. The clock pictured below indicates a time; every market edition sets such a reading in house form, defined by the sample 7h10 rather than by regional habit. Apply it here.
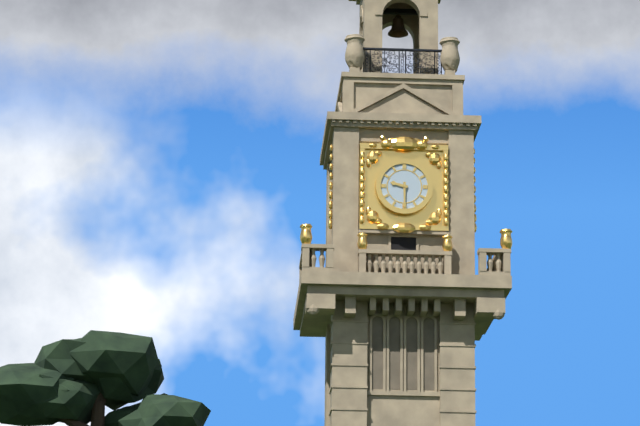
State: 9h30
